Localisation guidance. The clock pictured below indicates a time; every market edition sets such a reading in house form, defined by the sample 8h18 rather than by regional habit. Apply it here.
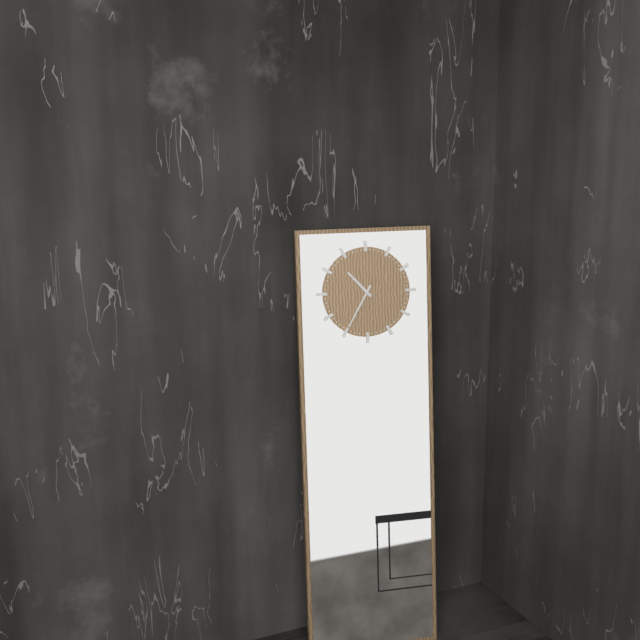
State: 10h35
